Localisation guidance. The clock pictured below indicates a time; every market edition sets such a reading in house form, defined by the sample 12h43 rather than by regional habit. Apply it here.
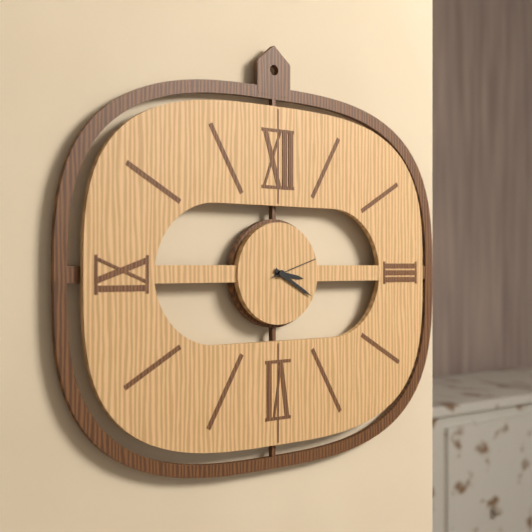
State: 3h20
